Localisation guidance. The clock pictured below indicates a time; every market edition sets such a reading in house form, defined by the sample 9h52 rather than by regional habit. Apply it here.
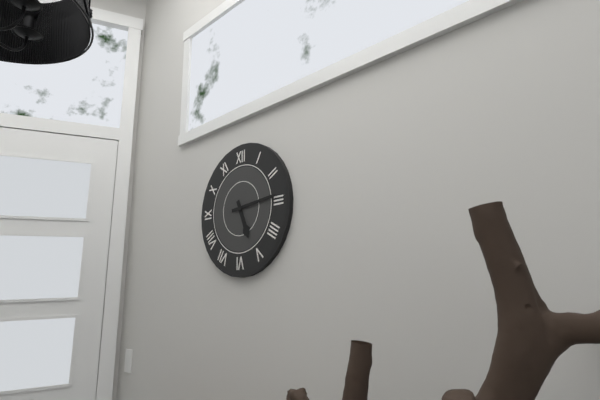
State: 5h14
